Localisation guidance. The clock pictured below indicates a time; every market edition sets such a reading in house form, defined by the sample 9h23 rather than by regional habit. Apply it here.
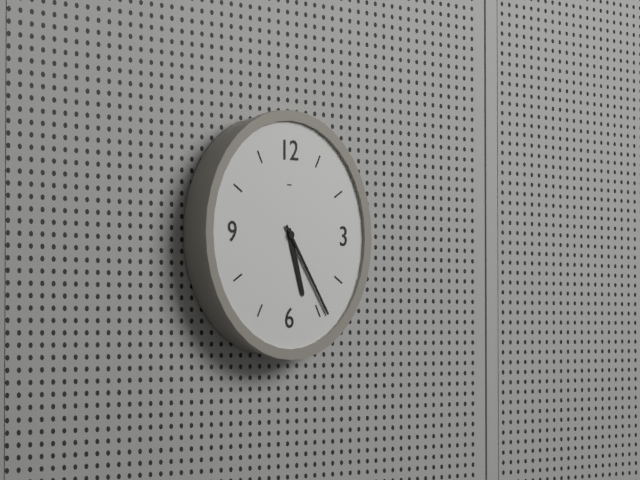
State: 5h24
